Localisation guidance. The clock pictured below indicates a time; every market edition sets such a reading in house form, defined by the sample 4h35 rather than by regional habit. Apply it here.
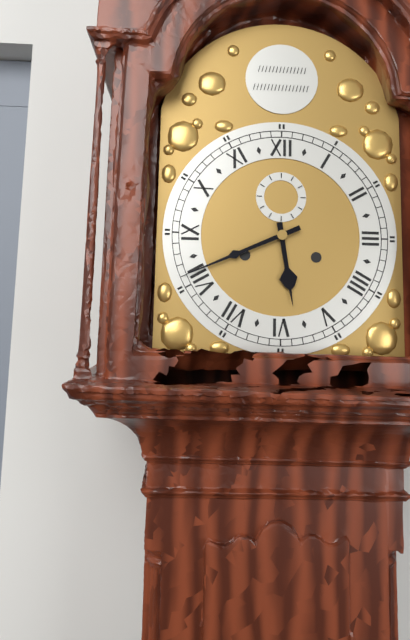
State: 5h41
